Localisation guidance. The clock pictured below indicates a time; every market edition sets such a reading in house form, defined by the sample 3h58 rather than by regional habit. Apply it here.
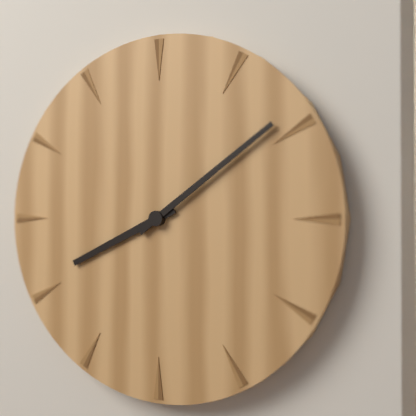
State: 8h09
